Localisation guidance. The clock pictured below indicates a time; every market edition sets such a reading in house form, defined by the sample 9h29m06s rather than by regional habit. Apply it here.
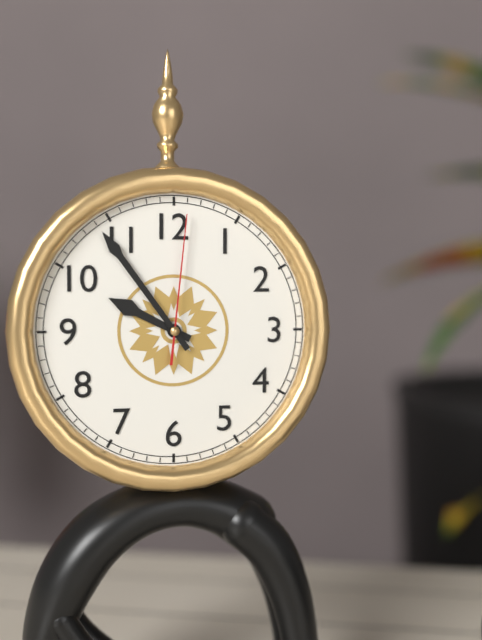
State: 9h54m01s
